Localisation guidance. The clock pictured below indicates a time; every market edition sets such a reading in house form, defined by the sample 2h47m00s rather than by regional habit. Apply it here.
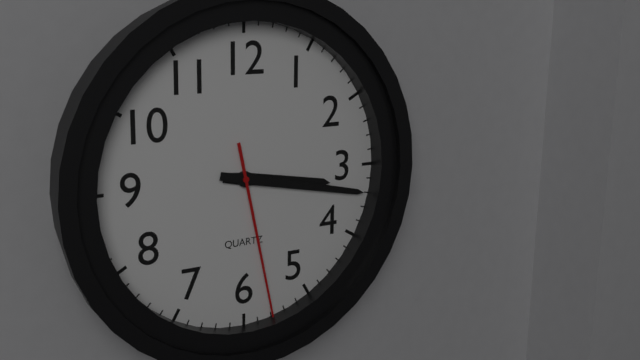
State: 3h17m28s
